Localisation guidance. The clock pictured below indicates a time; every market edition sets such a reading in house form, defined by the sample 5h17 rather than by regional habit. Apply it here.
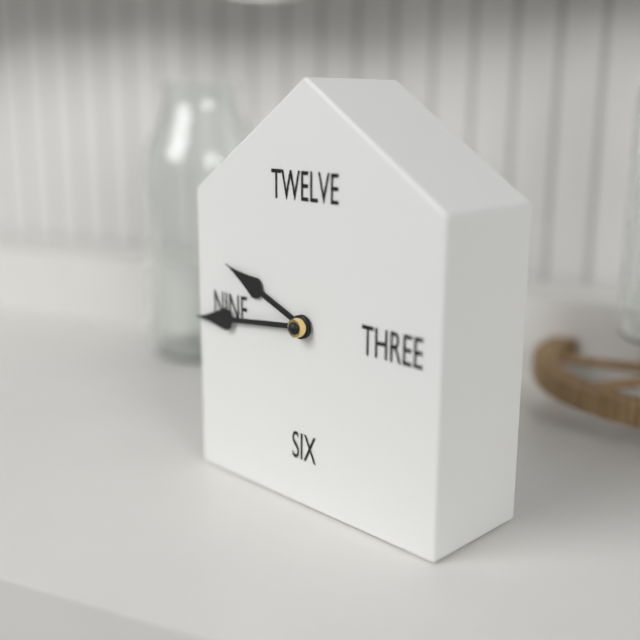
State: 9h44
